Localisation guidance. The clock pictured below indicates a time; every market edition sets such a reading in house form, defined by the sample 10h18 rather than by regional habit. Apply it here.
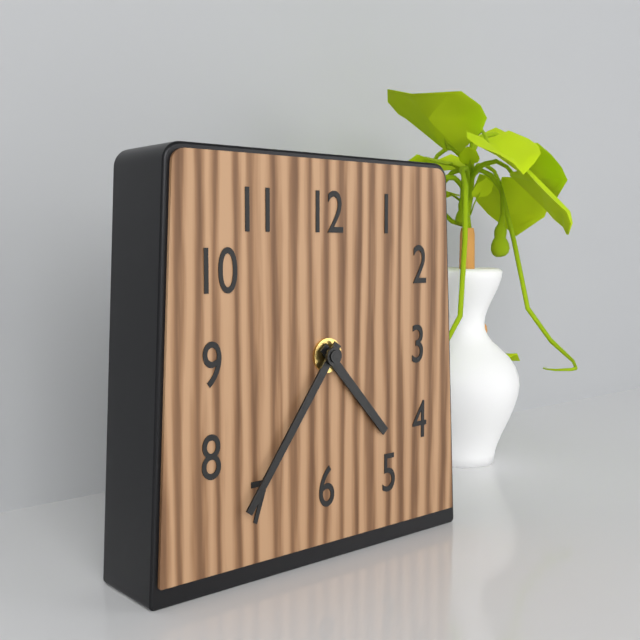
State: 4h36
